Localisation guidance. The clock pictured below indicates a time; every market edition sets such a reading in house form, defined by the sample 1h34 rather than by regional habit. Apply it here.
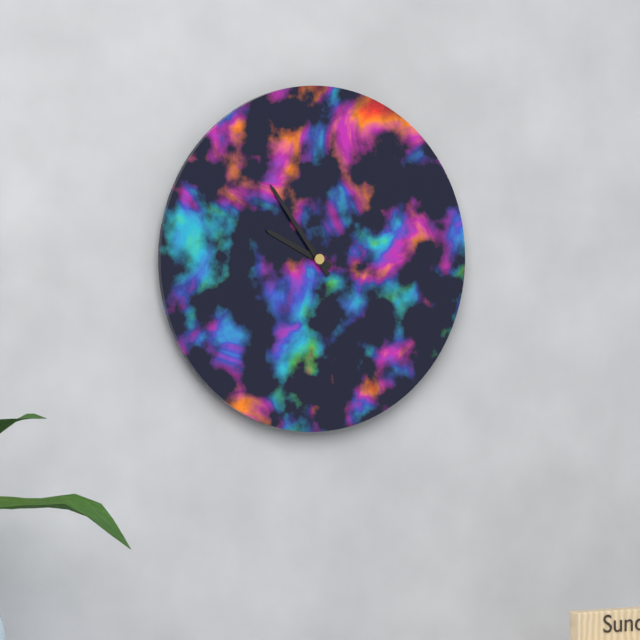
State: 9h54
